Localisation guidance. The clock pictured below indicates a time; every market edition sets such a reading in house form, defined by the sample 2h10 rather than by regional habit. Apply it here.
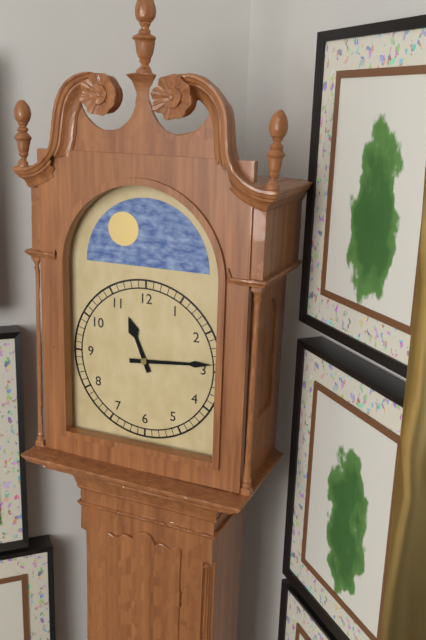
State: 11h14
